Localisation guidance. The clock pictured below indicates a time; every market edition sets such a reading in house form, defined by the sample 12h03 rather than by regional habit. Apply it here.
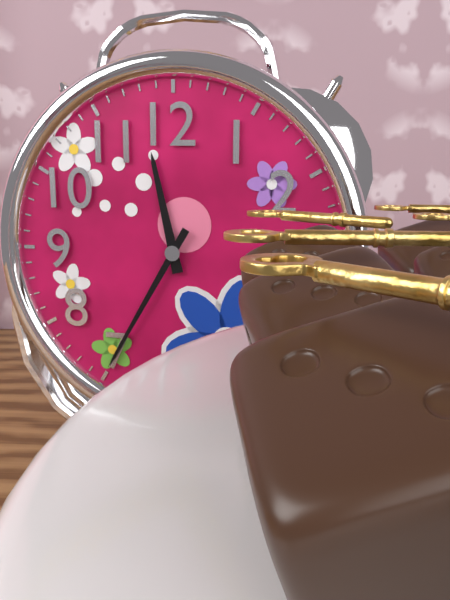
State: 11h35
